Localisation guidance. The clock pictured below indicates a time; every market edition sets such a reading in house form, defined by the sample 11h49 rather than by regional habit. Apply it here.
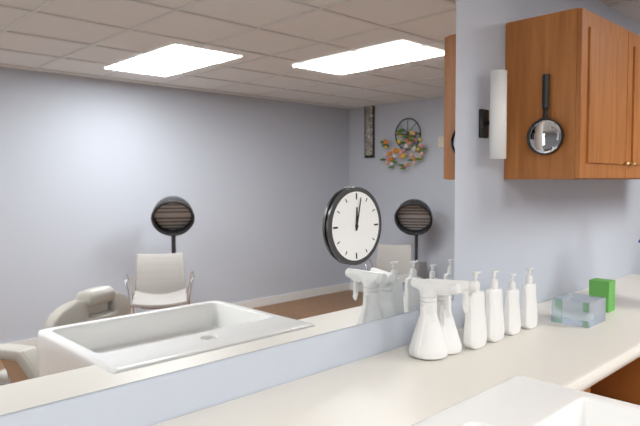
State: 12h02
